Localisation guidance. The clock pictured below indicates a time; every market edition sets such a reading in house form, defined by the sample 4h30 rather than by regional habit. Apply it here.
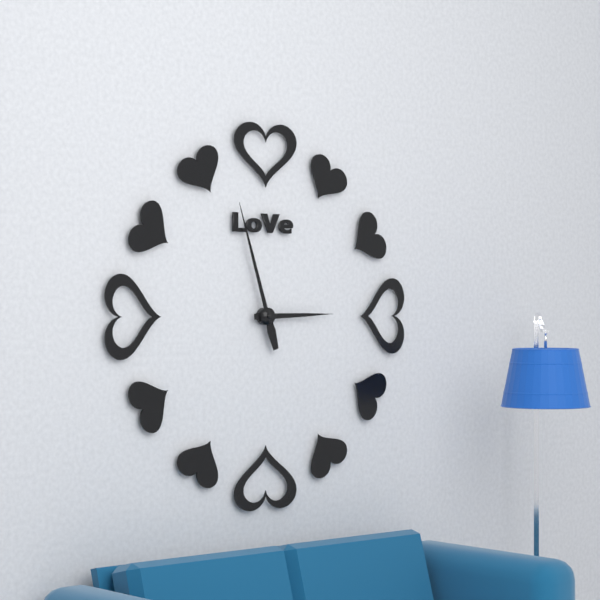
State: 2h57
